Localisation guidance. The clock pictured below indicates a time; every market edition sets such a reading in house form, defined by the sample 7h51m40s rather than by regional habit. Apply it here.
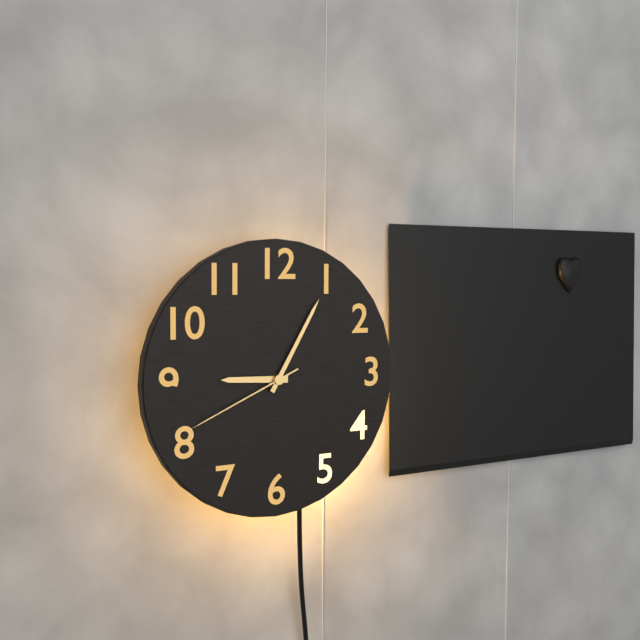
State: 9h05m41s
